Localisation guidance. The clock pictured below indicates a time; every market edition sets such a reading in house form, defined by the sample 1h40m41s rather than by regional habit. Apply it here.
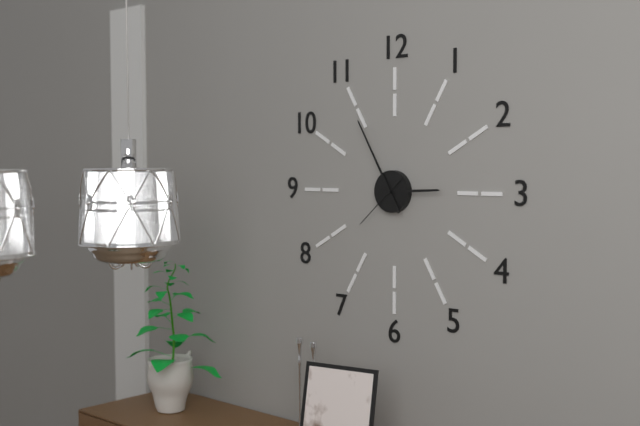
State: 2h55m38s
